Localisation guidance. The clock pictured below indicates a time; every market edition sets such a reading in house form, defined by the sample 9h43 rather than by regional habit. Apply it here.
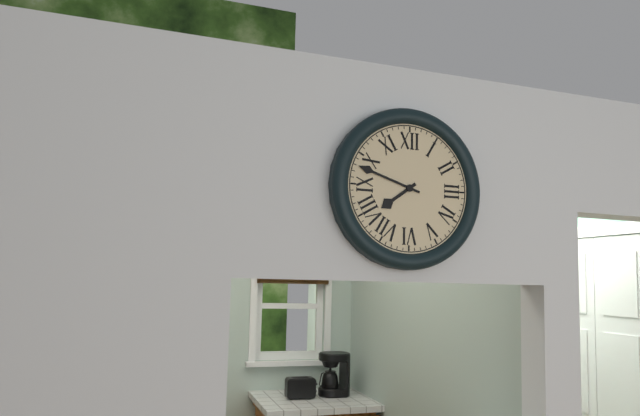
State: 7h48
